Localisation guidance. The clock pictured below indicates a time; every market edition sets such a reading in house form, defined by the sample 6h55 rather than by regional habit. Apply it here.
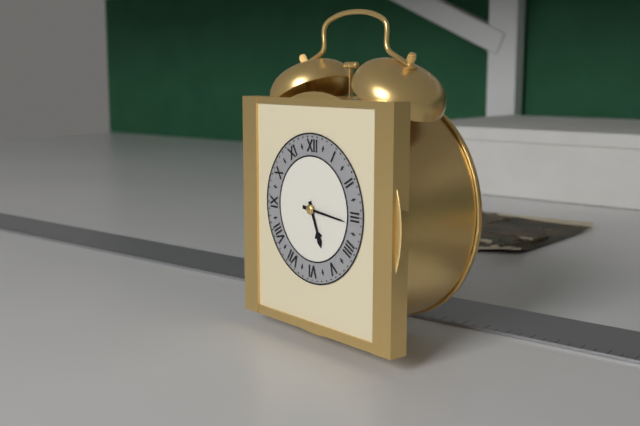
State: 5h16
